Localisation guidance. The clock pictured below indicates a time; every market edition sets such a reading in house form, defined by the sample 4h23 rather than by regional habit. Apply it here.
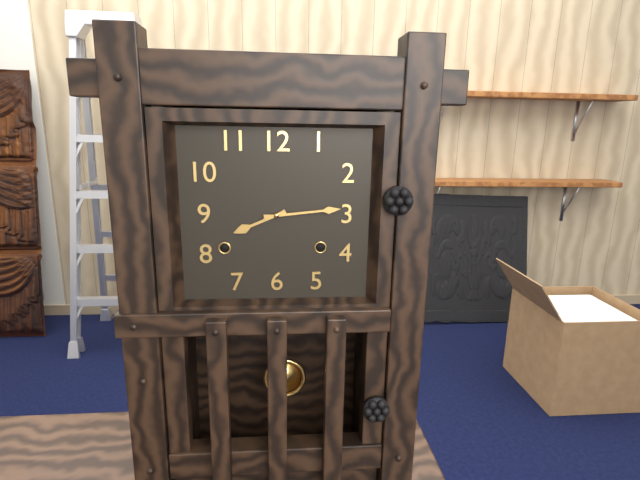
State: 8h14
